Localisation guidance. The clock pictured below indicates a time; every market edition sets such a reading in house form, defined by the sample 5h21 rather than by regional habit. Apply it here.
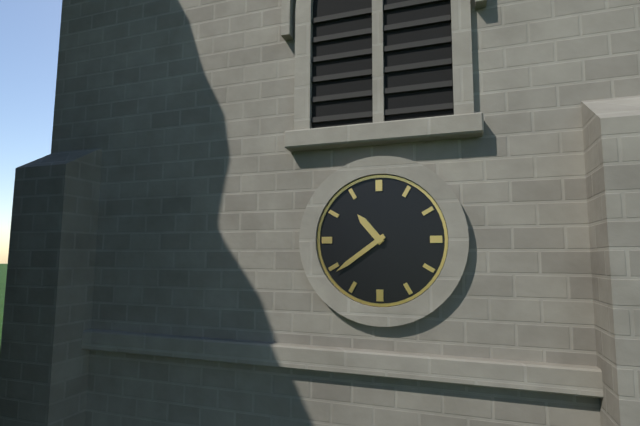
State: 10h39
